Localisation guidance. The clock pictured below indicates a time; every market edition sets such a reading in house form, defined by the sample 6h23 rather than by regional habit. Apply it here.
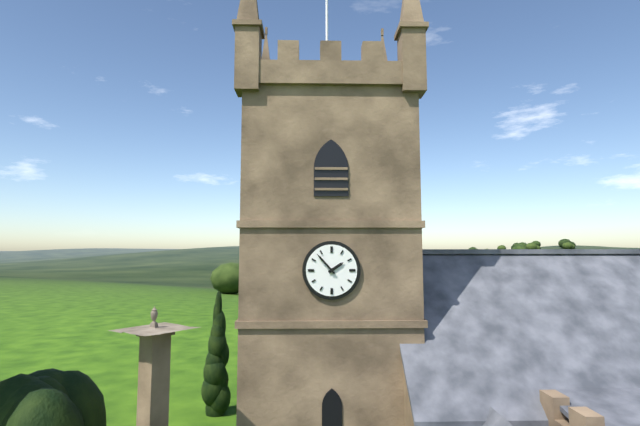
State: 1h53
